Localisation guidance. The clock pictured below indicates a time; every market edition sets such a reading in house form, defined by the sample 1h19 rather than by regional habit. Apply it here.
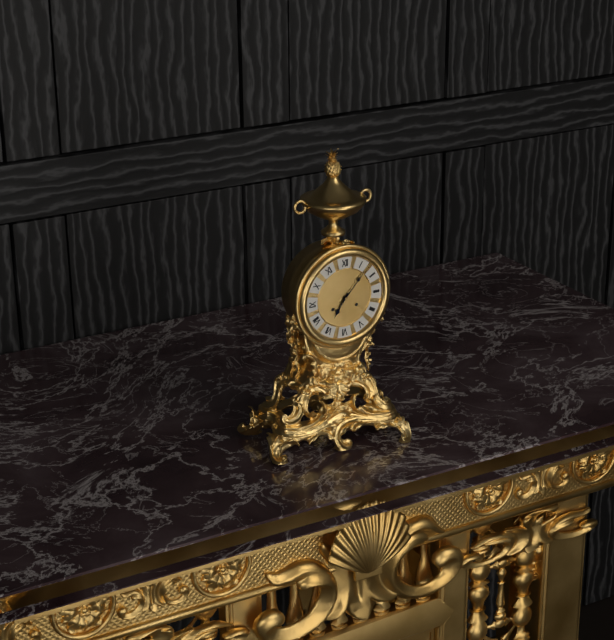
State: 7h07
